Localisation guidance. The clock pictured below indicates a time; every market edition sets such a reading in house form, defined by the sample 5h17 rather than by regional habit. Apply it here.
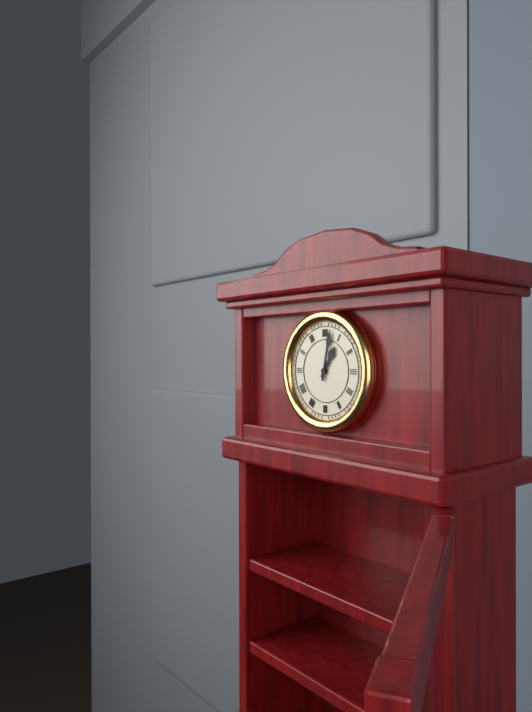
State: 1h02
